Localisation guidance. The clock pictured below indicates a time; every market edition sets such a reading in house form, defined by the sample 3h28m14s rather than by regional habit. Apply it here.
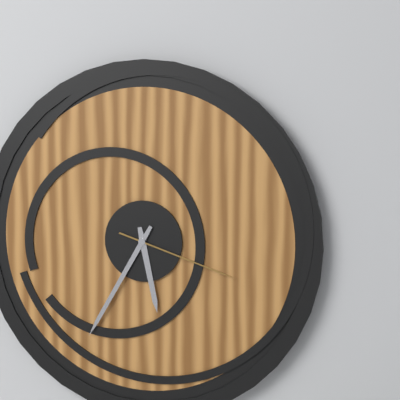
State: 5h35m18s
